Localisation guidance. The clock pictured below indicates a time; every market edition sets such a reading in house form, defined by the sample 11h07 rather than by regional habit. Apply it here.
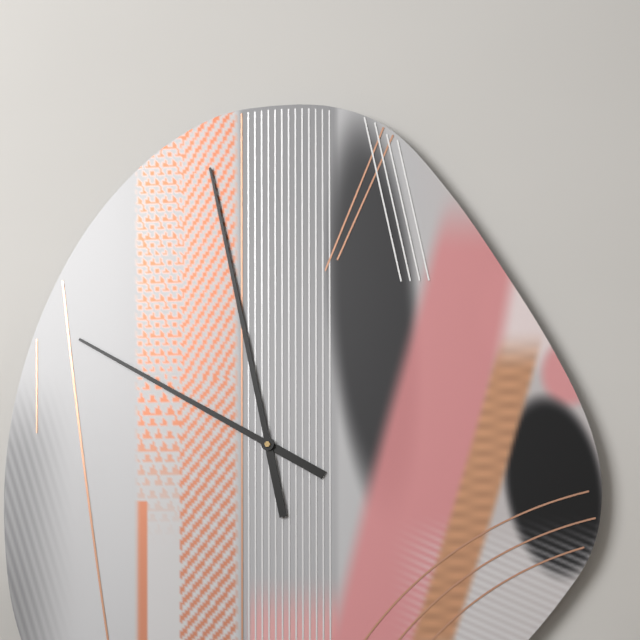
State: 9h58
